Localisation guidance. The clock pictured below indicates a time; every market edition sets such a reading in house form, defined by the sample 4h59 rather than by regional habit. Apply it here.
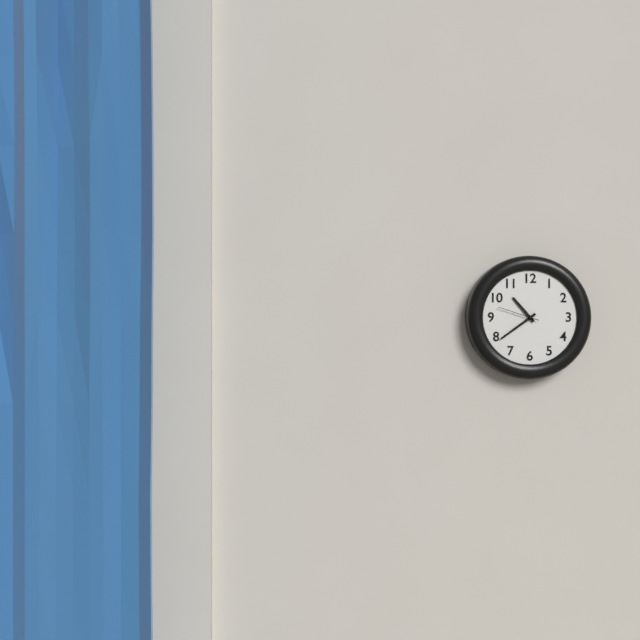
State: 10h39
